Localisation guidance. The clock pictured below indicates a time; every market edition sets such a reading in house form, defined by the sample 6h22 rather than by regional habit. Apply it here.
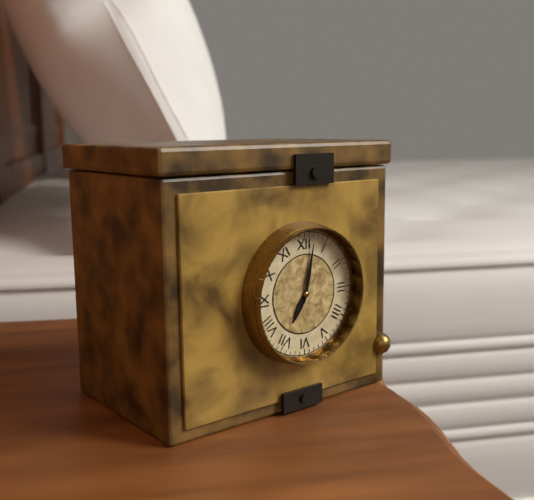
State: 7h02
